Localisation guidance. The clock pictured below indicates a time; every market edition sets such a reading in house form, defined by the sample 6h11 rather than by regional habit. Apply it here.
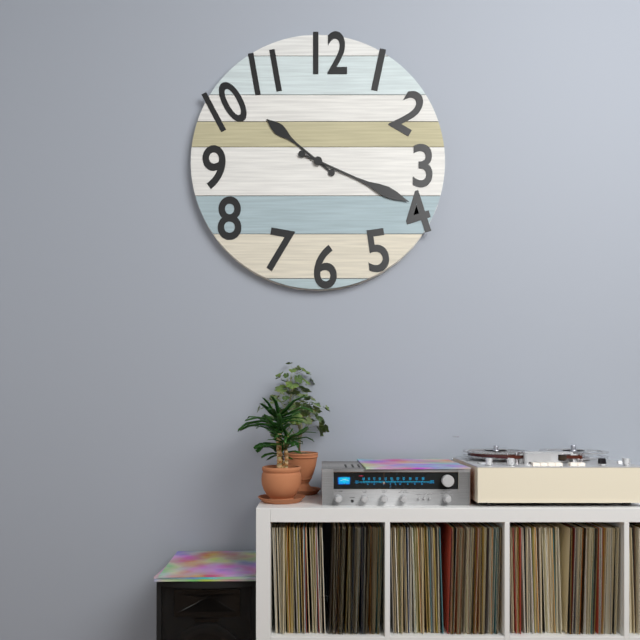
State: 10h19
